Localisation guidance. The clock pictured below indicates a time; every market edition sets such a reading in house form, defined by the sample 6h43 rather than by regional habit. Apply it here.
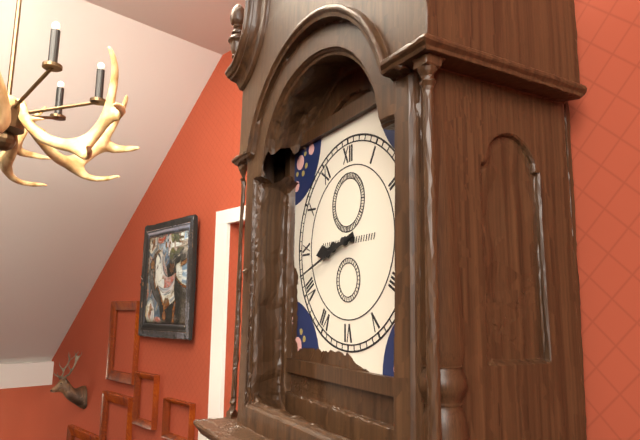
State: 8h42
